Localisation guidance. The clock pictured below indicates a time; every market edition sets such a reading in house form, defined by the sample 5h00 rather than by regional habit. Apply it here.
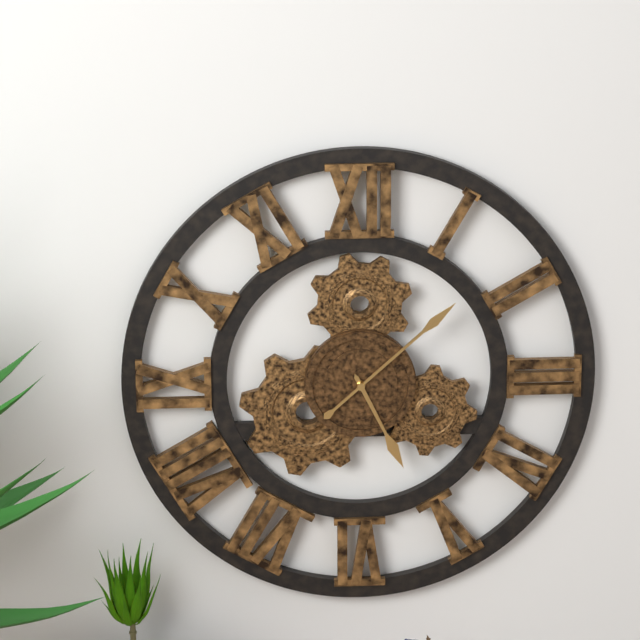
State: 5h08
